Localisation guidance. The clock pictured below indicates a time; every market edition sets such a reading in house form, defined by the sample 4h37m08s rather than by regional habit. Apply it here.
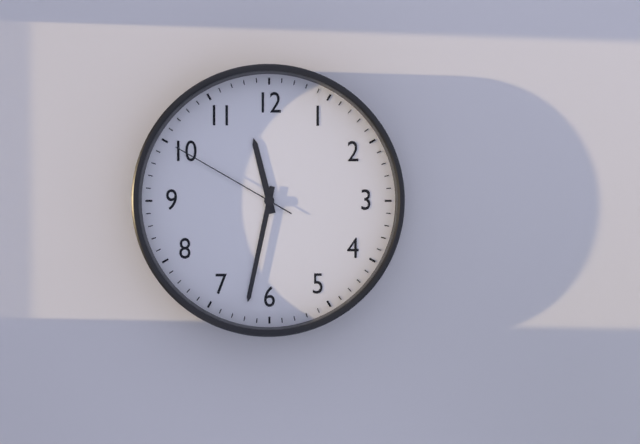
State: 11h32m50s
